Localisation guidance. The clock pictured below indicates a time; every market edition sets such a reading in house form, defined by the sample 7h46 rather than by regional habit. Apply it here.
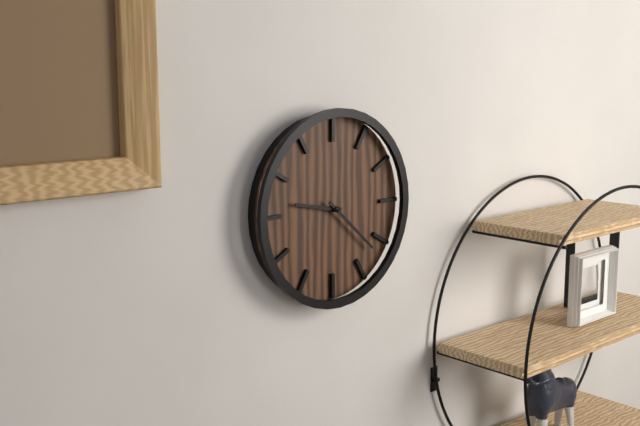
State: 9h22
